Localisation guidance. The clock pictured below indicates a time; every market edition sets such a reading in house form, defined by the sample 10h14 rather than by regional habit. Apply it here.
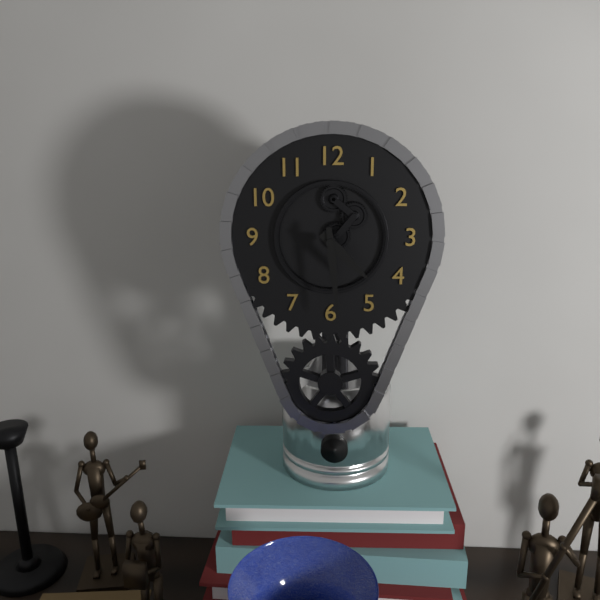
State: 4h29
